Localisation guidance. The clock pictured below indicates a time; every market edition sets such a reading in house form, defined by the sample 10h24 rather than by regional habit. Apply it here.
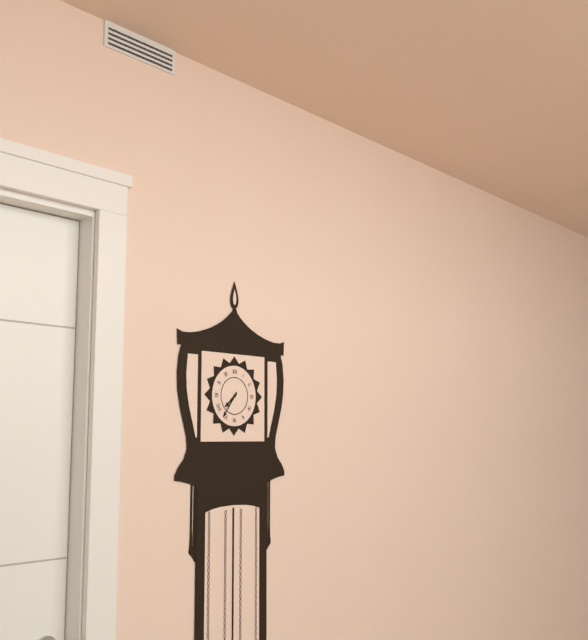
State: 7h36
